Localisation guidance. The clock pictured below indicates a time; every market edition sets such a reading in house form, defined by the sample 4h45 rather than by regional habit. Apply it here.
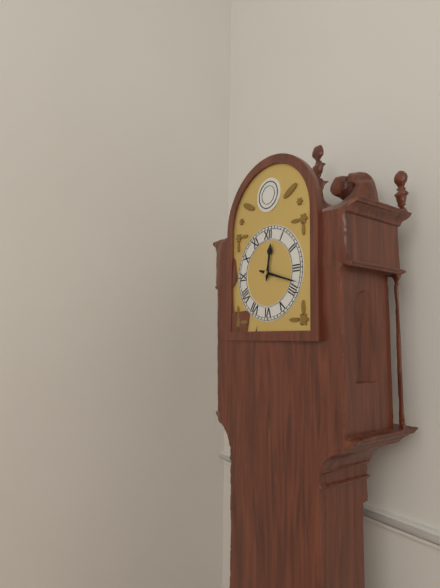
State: 12h18
